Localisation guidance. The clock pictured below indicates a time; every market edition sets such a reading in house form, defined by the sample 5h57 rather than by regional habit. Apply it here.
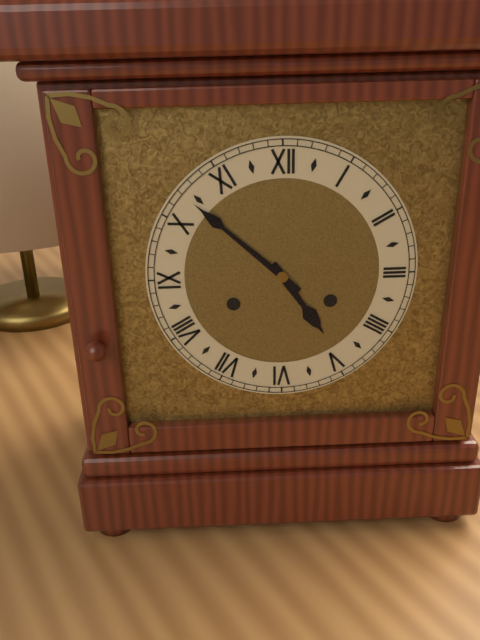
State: 4h52
